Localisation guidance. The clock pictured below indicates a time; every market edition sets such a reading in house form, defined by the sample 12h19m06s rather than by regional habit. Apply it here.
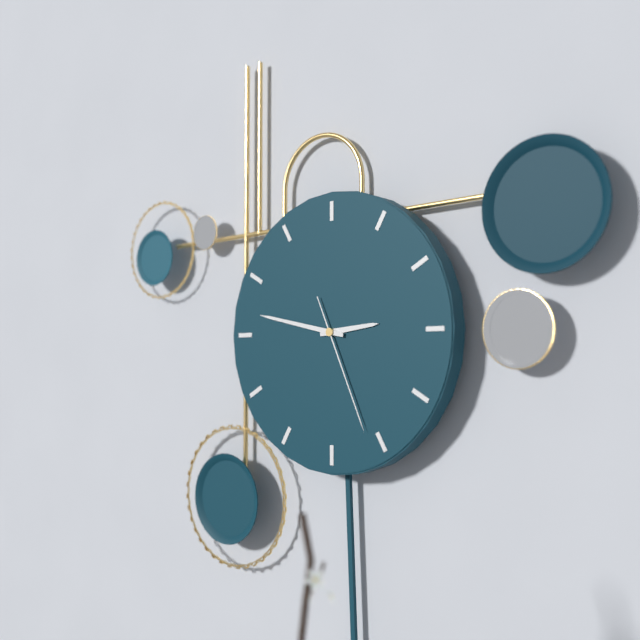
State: 2h47m26s
